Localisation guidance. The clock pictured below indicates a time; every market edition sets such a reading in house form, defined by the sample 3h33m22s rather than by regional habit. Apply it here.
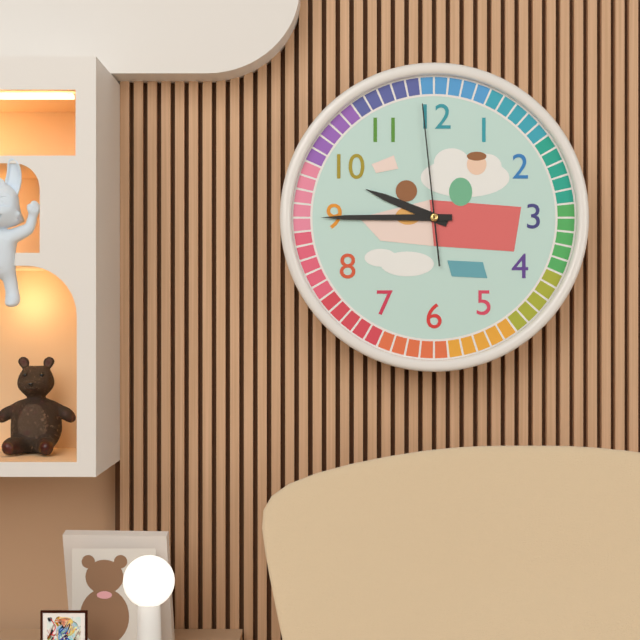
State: 9h45m59s
